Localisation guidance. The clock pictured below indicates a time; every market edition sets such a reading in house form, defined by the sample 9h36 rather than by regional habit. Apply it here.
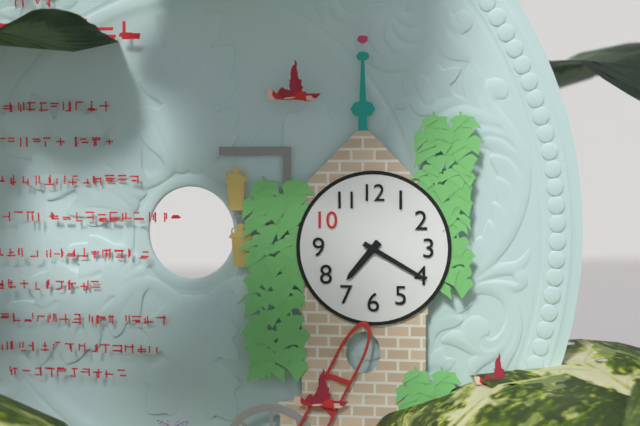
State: 7h20
